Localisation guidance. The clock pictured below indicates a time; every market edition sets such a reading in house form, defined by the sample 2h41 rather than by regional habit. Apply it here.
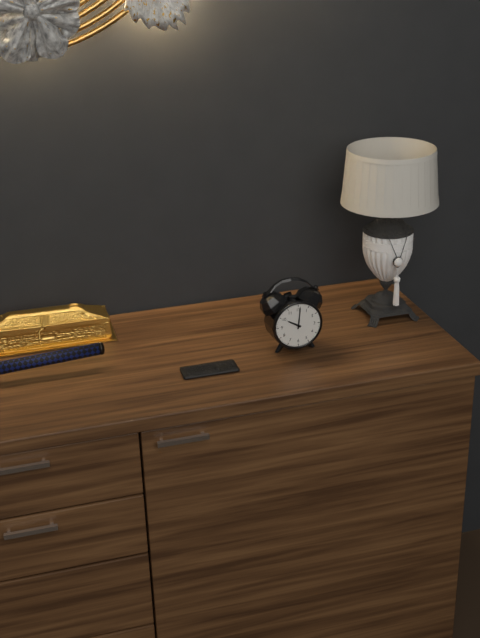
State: 10h01
